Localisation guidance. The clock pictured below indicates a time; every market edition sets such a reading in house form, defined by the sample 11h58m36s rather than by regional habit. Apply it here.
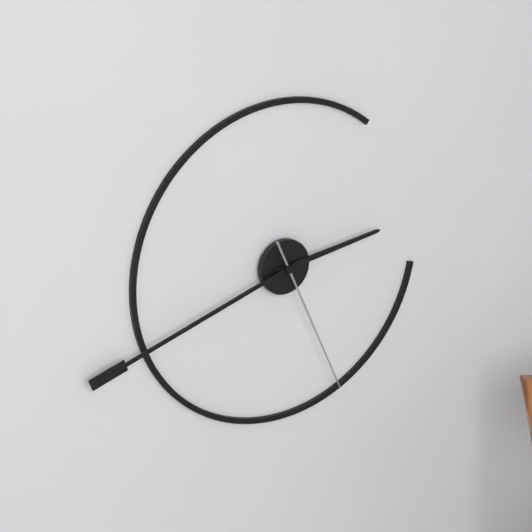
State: 2h42m26s
